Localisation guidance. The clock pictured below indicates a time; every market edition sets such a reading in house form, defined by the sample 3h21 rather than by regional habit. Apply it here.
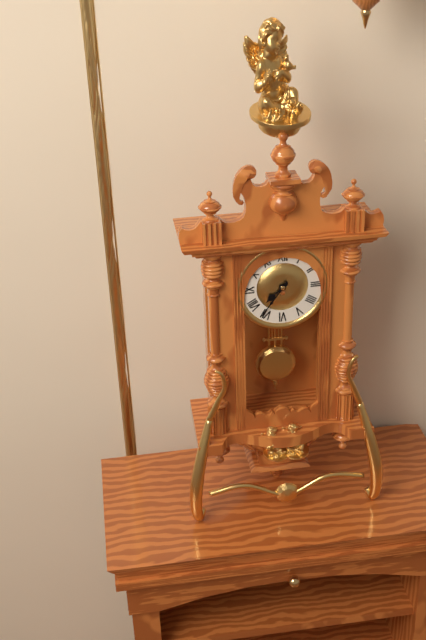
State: 7h36
